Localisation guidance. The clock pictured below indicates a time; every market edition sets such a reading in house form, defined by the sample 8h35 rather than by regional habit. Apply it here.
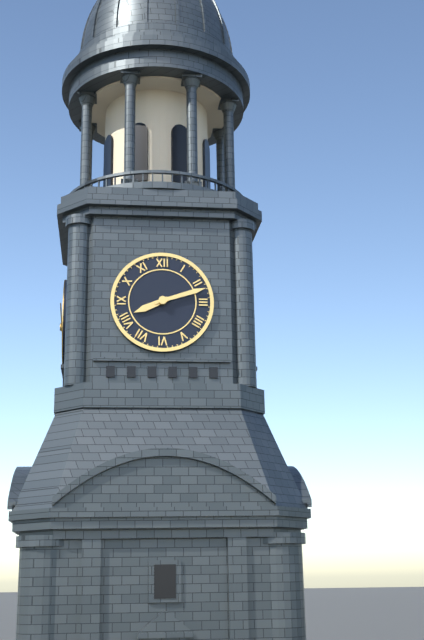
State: 8h12
